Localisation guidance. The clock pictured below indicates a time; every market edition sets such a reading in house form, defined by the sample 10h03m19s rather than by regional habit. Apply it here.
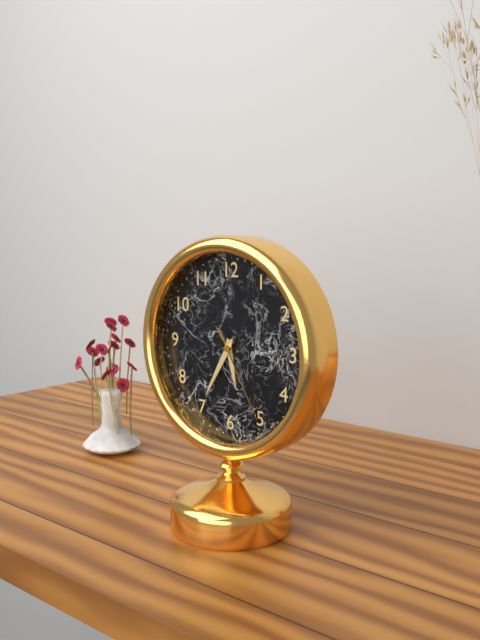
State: 5h35m25s
